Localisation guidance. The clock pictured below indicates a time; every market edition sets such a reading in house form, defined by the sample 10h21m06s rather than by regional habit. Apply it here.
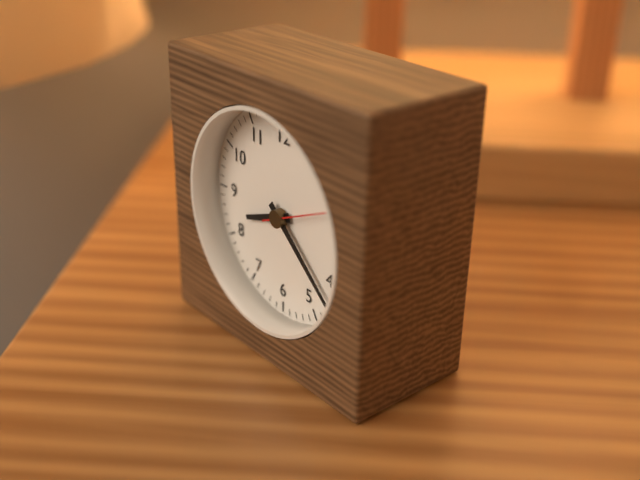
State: 8h22m11s
